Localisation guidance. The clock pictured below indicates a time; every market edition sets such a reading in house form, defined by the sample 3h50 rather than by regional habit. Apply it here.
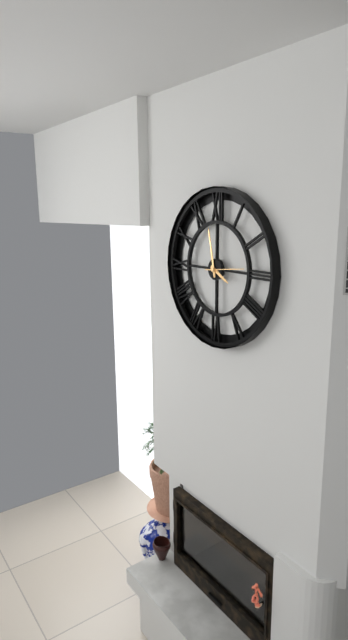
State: 3h58
